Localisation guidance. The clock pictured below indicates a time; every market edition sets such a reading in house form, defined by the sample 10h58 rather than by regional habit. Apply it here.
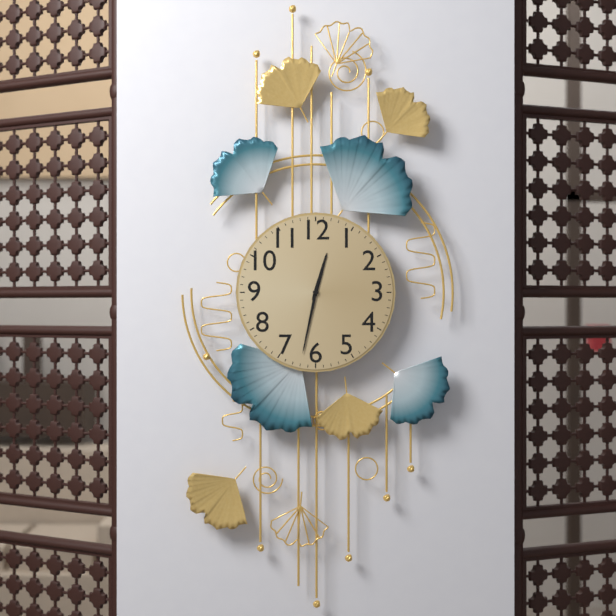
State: 12h32
